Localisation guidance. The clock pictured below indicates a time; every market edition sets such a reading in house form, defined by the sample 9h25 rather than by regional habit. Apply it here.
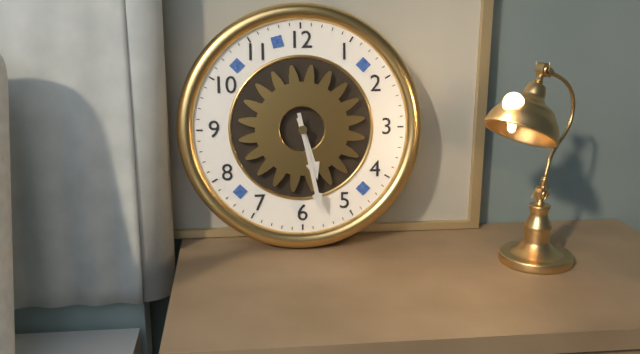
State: 5h28
